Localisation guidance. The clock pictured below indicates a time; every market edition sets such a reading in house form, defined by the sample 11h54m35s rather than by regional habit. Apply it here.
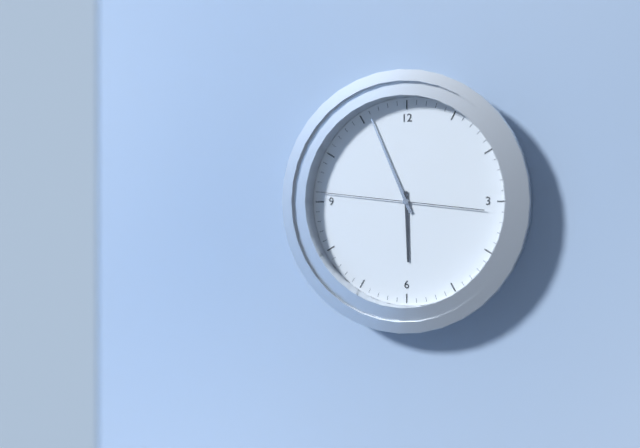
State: 5h56m46s
